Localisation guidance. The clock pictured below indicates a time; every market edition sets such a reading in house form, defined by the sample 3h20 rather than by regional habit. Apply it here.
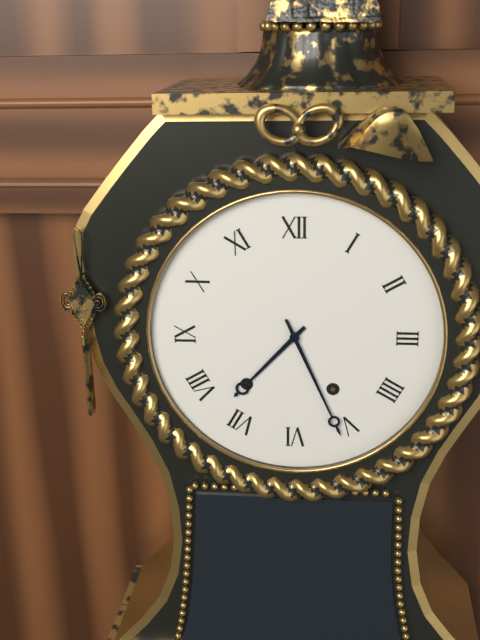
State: 7h26
